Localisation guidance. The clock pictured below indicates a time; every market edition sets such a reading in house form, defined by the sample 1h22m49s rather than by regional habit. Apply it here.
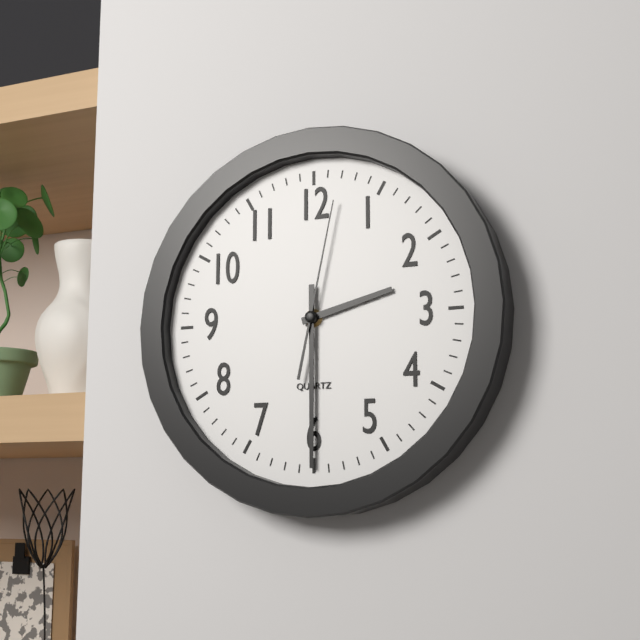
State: 2h30m02s
